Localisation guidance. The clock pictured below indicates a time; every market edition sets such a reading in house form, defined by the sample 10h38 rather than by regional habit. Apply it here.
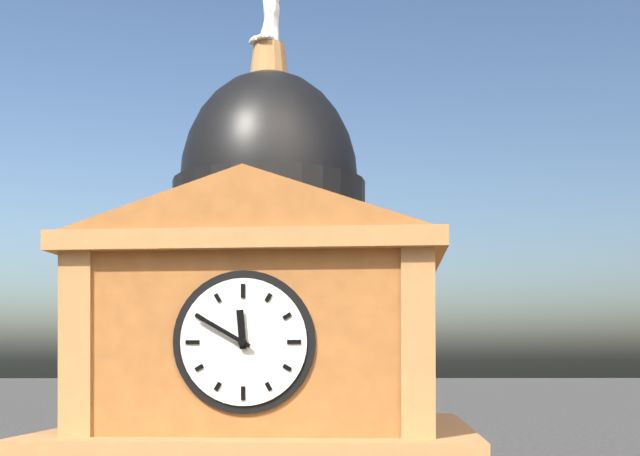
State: 11h50
